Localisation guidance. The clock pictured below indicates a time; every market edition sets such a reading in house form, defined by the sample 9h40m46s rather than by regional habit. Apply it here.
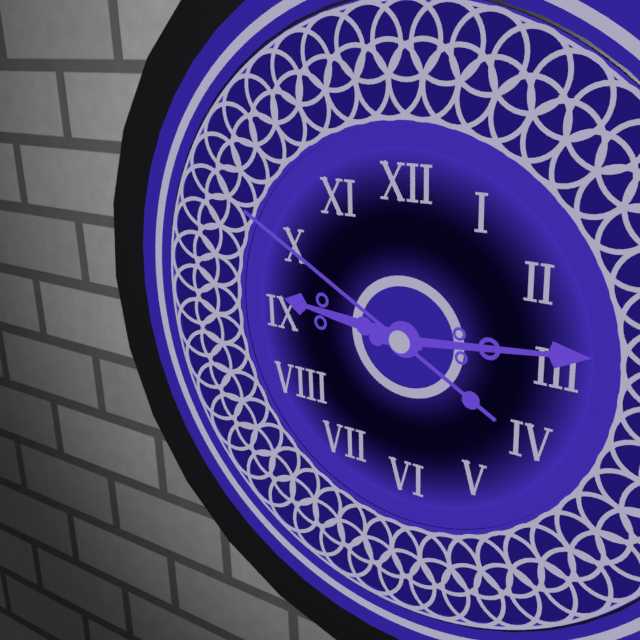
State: 9h14m50s
